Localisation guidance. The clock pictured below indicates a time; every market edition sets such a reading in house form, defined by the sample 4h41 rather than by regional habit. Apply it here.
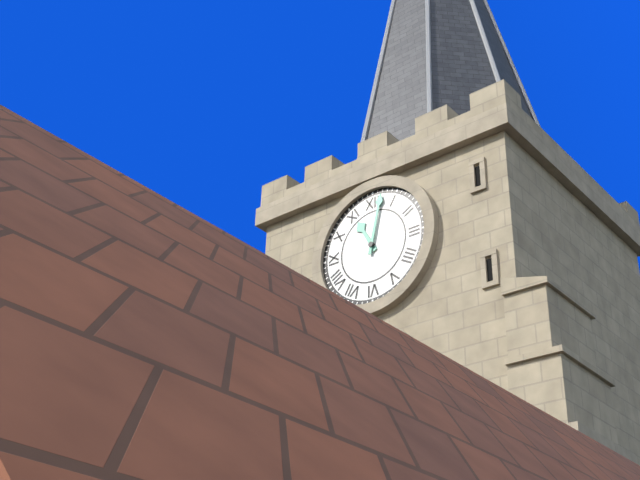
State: 11h02
